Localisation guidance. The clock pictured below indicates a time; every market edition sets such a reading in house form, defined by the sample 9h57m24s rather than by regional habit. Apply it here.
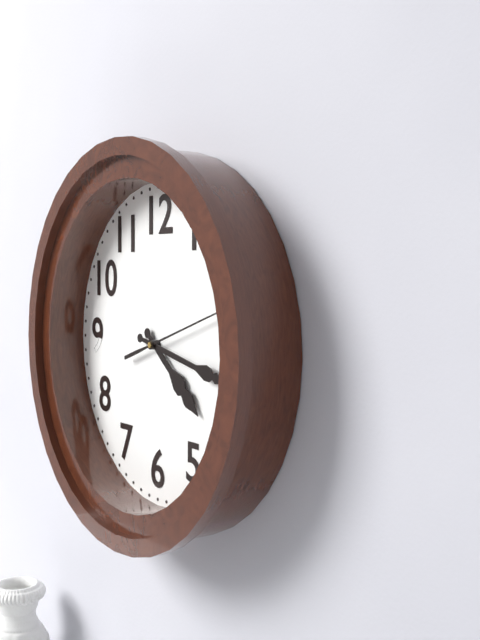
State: 4h17m12s
